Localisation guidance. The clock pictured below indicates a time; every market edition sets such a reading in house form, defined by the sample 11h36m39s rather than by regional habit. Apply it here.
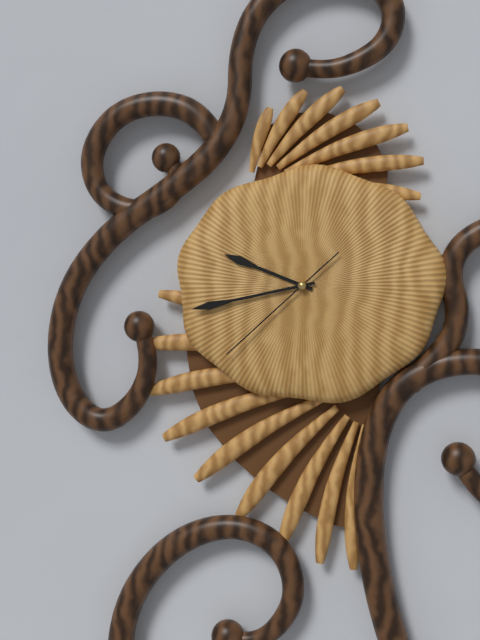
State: 9h43m38s
